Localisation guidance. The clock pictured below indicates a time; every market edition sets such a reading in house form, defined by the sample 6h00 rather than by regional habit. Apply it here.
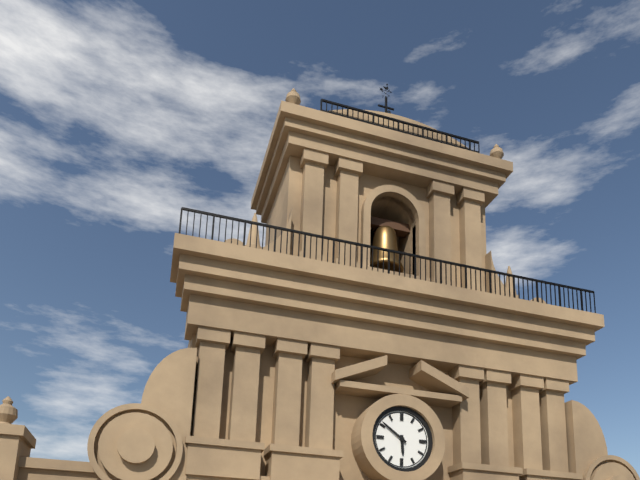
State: 5h51
